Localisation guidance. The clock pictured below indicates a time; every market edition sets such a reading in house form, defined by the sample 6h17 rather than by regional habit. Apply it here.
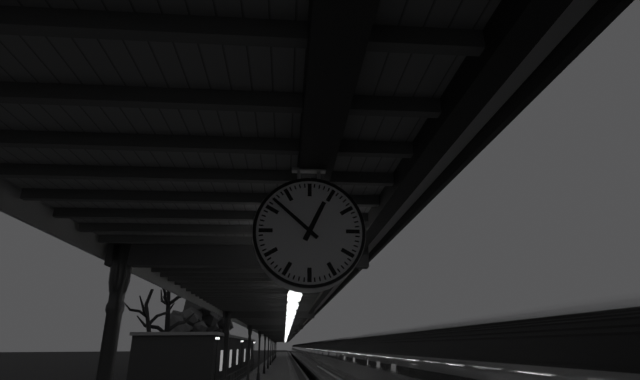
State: 12h52
